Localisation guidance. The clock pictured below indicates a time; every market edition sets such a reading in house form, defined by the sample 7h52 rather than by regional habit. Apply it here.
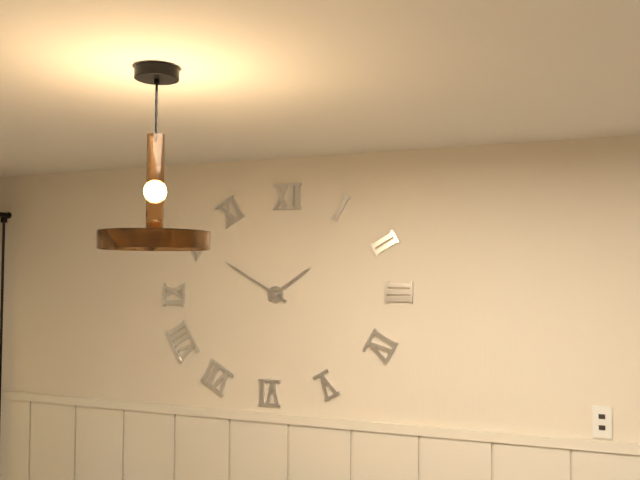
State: 1h50
